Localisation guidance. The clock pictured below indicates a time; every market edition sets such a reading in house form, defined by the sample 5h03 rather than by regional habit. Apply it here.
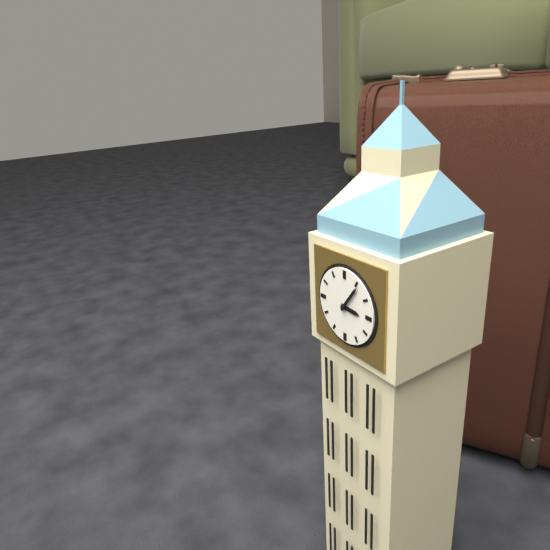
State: 3h06
